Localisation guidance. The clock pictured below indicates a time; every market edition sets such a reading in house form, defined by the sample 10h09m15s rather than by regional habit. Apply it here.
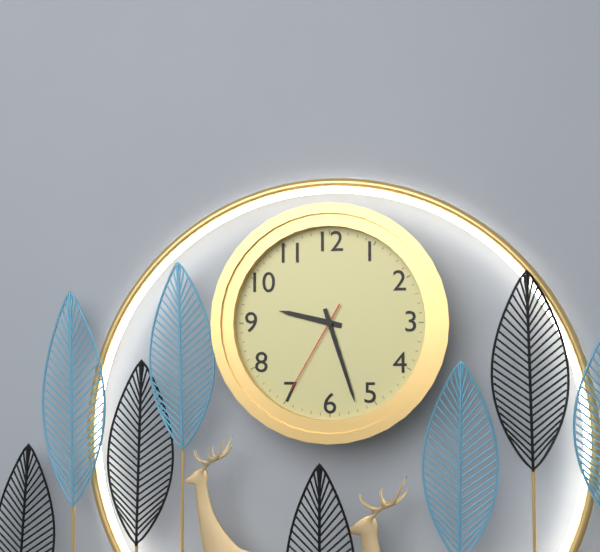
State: 9h27m35s
